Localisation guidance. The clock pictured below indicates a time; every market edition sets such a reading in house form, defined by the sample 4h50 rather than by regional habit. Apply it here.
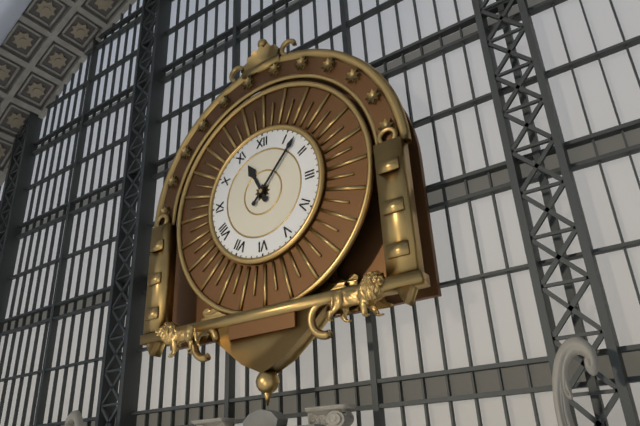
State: 11h07
